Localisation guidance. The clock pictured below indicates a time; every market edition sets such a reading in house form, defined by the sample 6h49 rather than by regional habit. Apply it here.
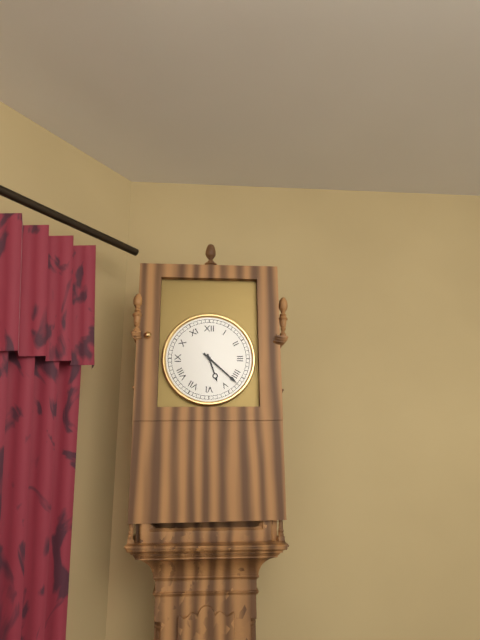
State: 5h22
